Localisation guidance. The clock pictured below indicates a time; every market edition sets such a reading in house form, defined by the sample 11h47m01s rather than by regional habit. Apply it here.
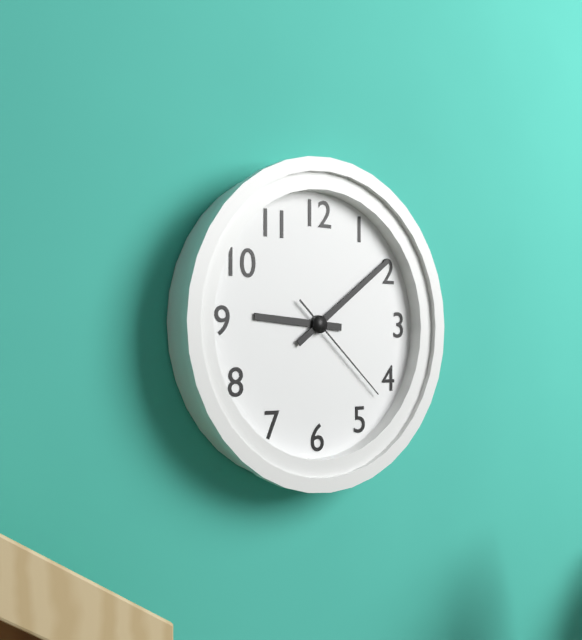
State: 9h09m22s
